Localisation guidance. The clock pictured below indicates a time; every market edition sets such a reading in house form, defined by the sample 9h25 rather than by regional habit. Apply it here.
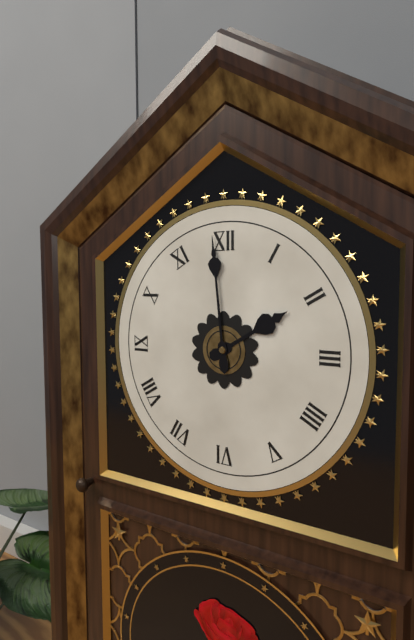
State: 1h59
